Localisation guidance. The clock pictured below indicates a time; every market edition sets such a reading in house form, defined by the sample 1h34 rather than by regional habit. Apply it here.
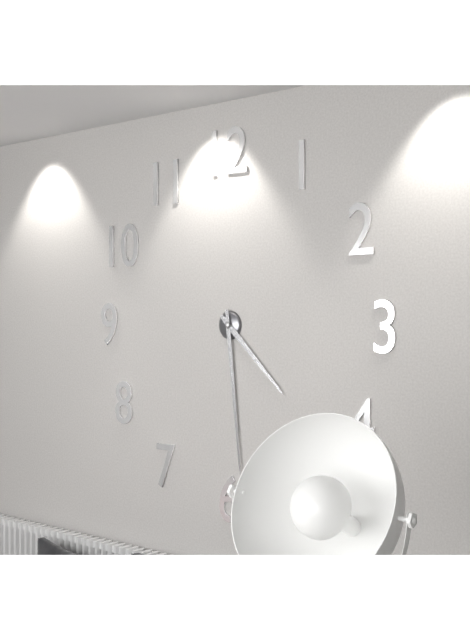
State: 4h29
